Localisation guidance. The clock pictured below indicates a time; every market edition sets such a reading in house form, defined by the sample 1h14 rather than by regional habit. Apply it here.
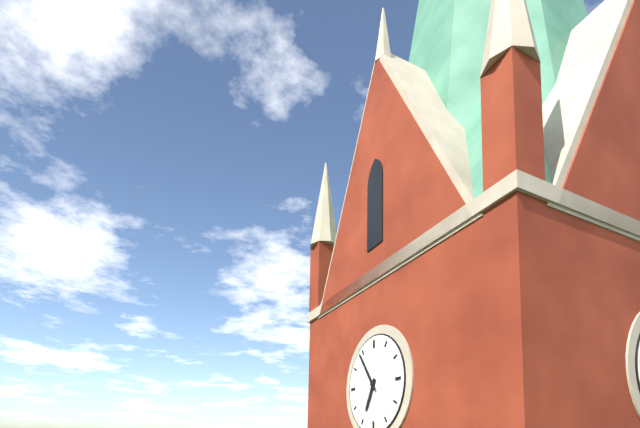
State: 6h54
